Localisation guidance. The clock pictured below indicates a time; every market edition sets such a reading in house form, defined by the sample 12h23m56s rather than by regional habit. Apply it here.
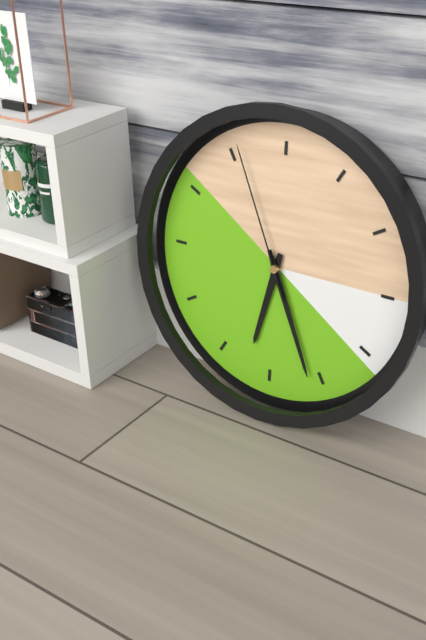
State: 6h26m56s
